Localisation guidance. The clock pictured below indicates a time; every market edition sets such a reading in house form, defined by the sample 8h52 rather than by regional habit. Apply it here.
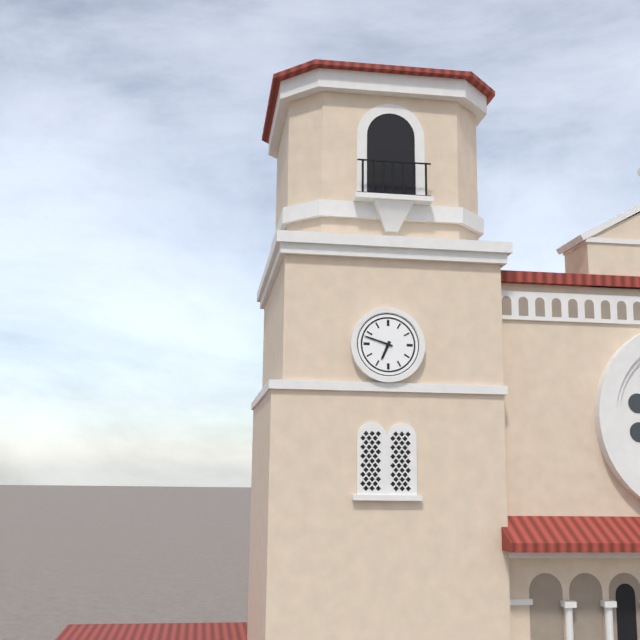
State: 6h48
